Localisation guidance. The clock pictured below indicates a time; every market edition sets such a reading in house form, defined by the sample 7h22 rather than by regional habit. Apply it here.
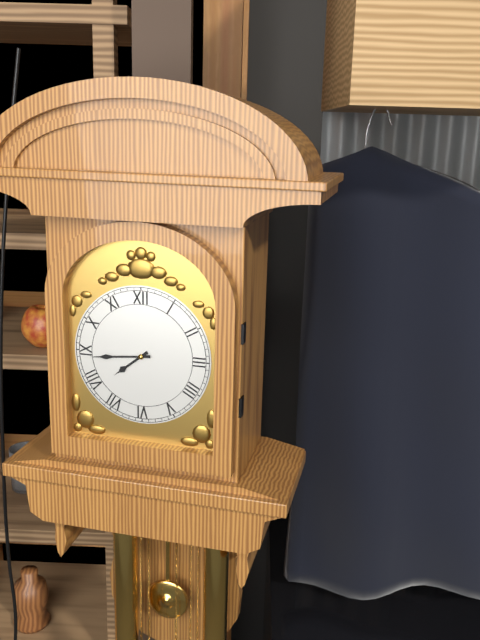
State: 7h44
